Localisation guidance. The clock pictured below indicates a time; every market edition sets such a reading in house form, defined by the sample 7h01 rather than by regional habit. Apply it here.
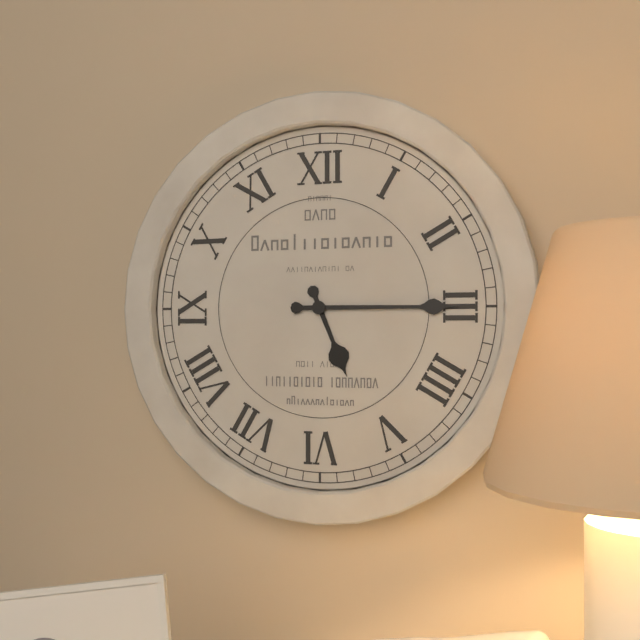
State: 5h15
